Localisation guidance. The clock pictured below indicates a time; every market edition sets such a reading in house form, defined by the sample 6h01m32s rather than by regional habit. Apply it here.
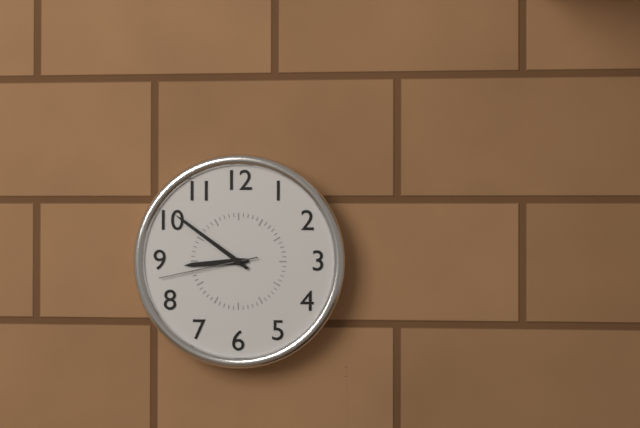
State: 8h51m43s
